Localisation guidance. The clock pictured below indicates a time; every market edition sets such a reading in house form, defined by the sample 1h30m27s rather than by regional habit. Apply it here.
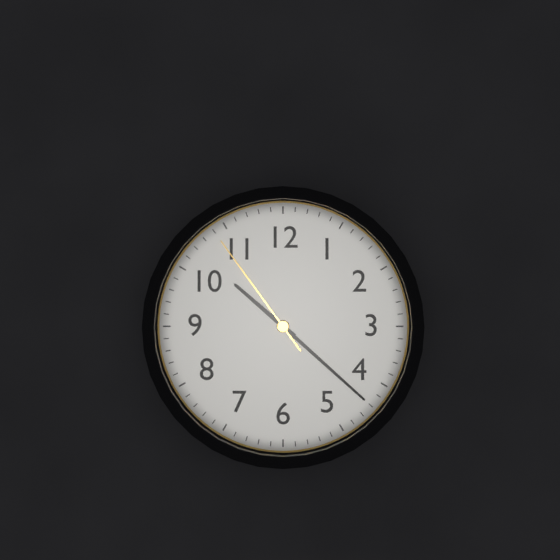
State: 10h22m54s
